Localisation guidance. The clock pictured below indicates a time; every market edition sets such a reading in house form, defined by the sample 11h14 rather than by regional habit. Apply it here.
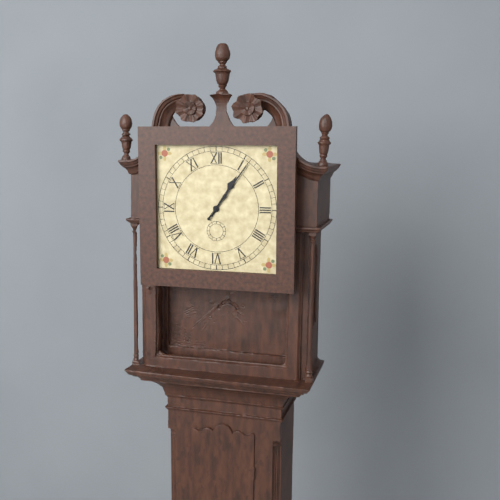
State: 1h06
